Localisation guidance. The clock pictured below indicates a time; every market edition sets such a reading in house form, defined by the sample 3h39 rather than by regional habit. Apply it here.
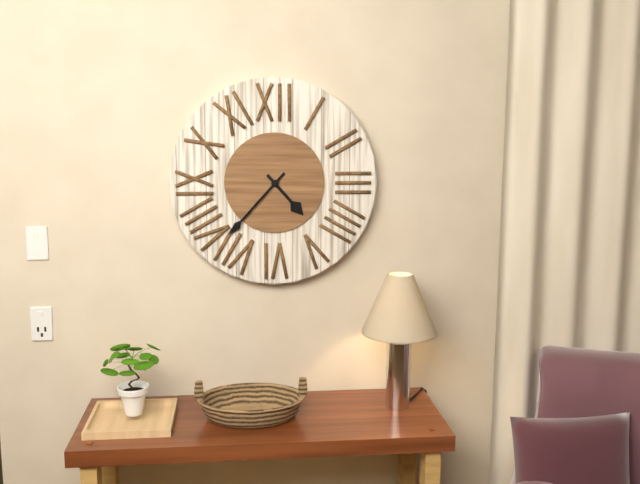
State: 4h37
